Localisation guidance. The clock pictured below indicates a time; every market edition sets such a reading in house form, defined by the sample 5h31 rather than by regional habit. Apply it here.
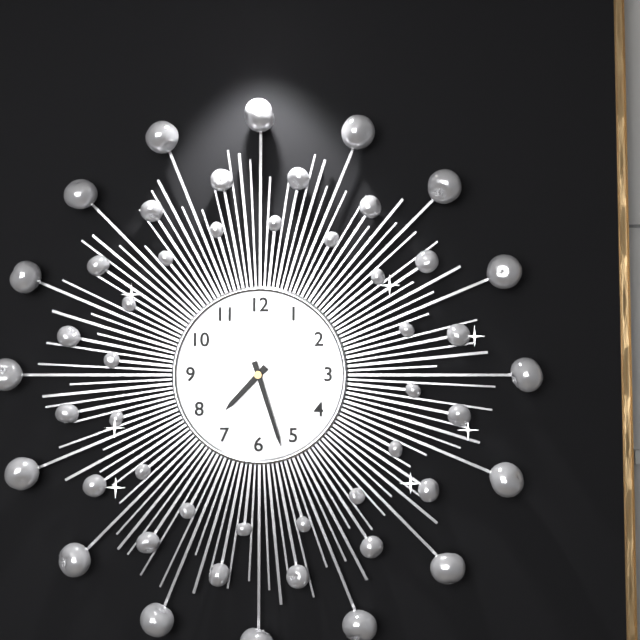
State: 7h27
